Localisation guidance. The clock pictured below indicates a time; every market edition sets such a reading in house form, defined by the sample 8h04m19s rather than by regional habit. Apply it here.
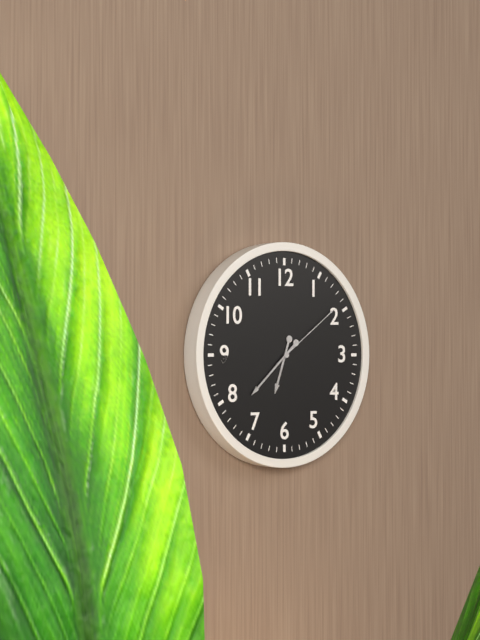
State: 6h38m09s
